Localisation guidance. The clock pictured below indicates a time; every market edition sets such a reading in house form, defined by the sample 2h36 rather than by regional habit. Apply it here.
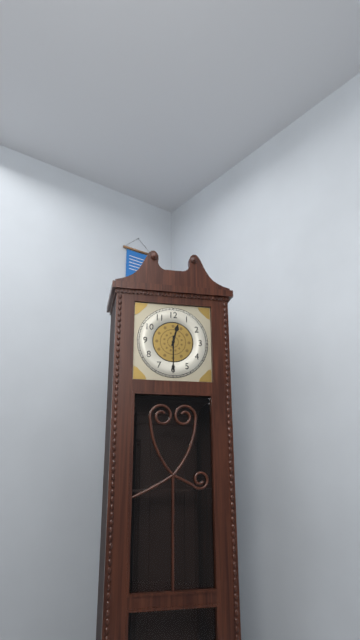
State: 12h30
